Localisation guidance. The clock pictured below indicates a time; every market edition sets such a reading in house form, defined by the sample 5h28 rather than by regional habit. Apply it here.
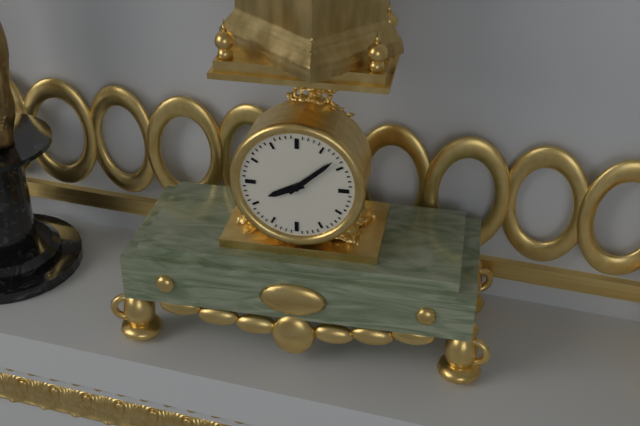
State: 8h08
